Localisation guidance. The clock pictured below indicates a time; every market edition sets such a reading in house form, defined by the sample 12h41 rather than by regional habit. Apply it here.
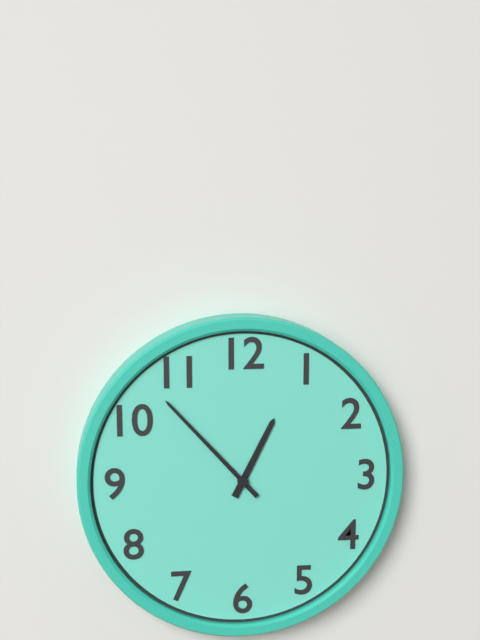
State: 12h53
